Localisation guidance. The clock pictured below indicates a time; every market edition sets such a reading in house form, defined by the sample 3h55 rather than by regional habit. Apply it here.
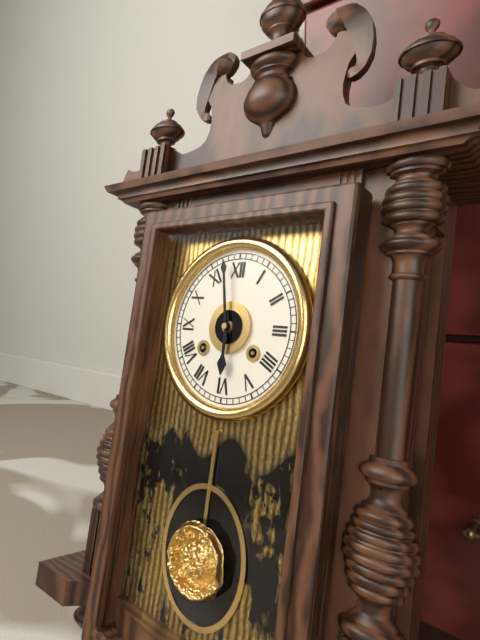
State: 5h58
